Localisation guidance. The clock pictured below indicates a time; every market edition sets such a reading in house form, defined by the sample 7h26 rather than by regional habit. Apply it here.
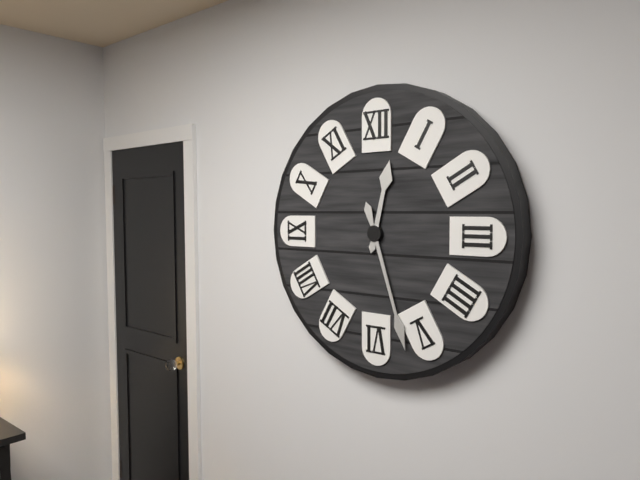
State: 12h27
